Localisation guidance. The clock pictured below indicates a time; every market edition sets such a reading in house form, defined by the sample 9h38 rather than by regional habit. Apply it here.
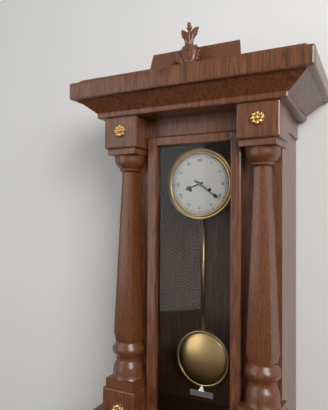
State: 8h21
